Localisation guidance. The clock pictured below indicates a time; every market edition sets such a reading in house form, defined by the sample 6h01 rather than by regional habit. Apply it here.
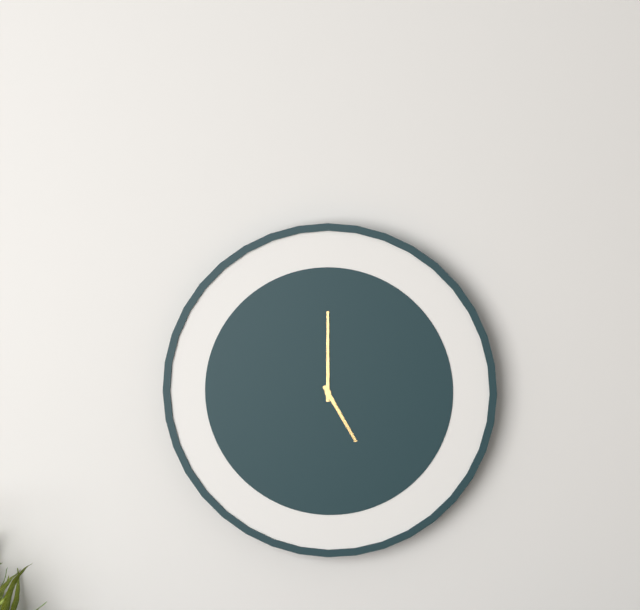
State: 5h00
